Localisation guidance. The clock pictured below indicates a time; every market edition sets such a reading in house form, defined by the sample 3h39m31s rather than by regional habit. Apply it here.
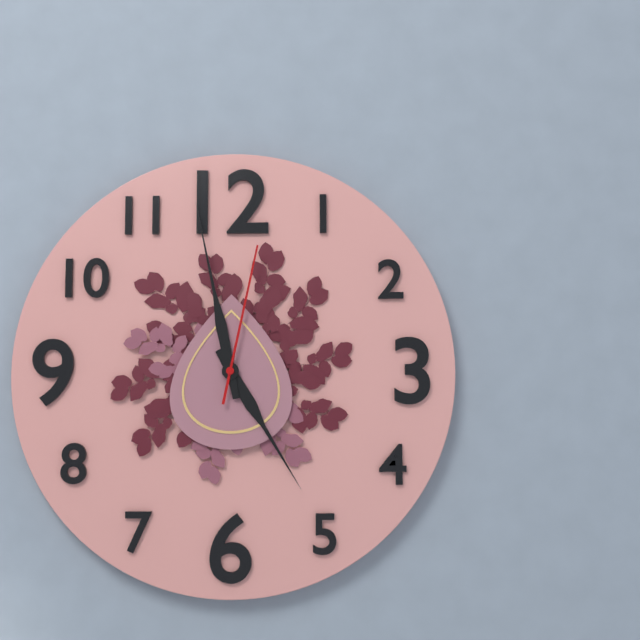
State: 4h58m02s
